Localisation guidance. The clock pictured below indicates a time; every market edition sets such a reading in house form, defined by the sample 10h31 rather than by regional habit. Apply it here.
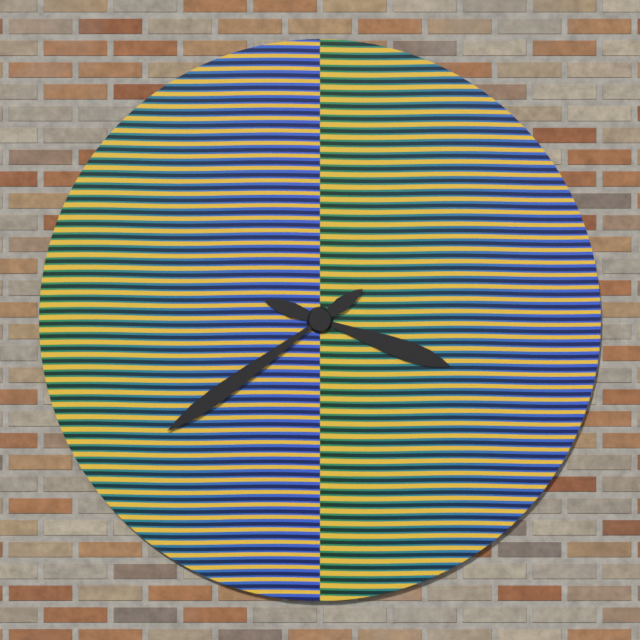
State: 3h39
